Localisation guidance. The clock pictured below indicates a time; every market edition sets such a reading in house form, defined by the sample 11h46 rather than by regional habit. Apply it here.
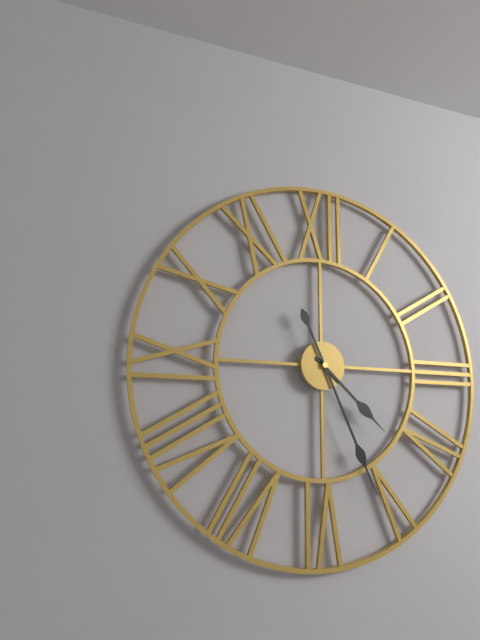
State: 4h26
